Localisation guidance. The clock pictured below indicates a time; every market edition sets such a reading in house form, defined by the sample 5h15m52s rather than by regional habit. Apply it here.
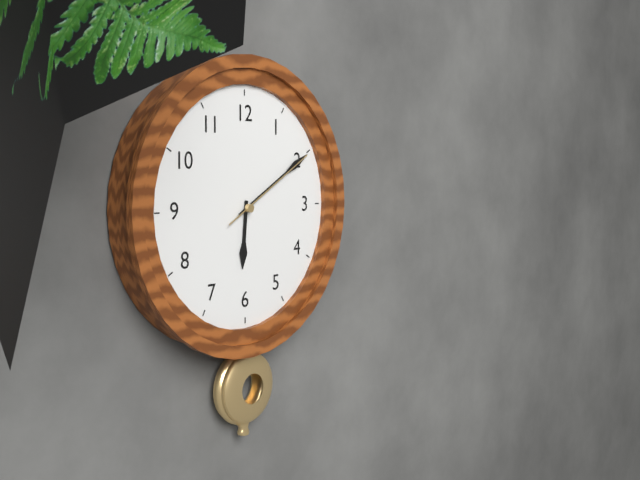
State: 6h10m10s
